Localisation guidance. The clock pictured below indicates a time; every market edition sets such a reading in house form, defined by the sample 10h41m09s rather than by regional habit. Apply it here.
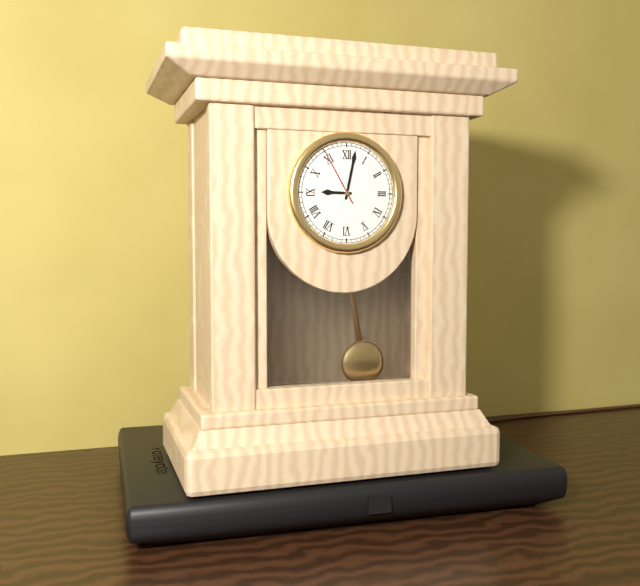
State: 9h02m55s
